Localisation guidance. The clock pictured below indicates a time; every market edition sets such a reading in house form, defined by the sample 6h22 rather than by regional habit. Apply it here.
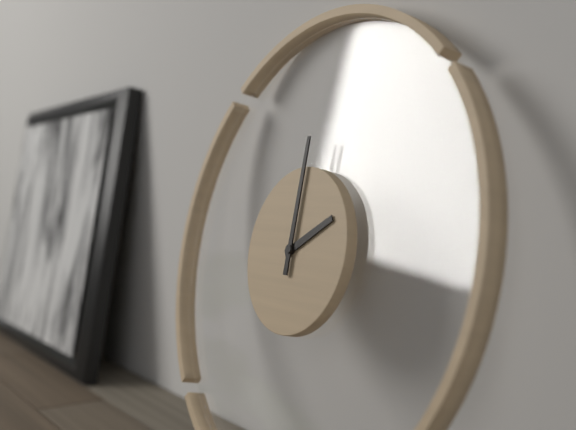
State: 2h00
